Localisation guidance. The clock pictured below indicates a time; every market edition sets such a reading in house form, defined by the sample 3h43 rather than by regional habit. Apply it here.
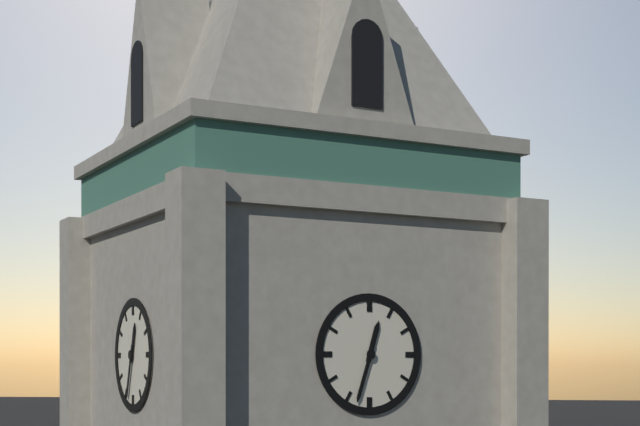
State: 12h33
